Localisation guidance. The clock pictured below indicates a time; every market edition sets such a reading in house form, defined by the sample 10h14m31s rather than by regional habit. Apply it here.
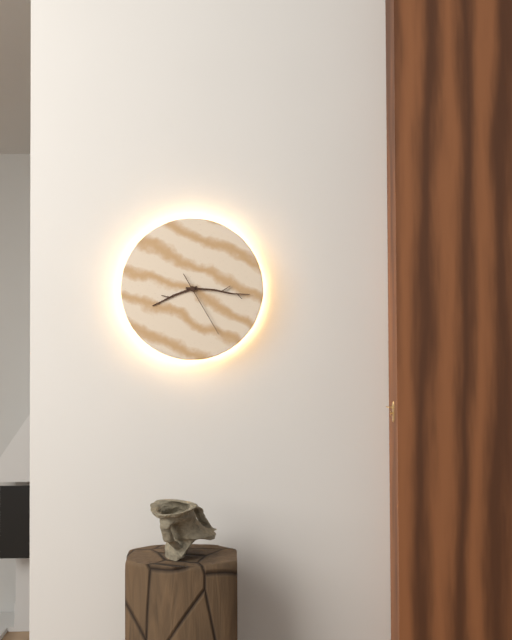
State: 8h16m25s
